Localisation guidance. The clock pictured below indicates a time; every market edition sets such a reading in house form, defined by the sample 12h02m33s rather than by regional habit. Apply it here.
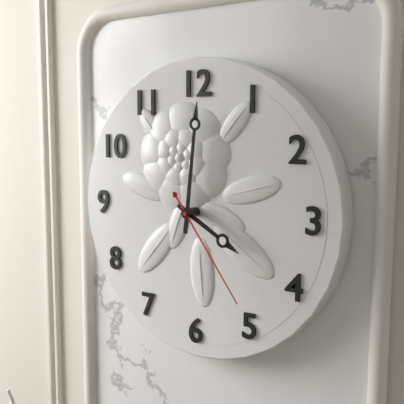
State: 4h01m24s
